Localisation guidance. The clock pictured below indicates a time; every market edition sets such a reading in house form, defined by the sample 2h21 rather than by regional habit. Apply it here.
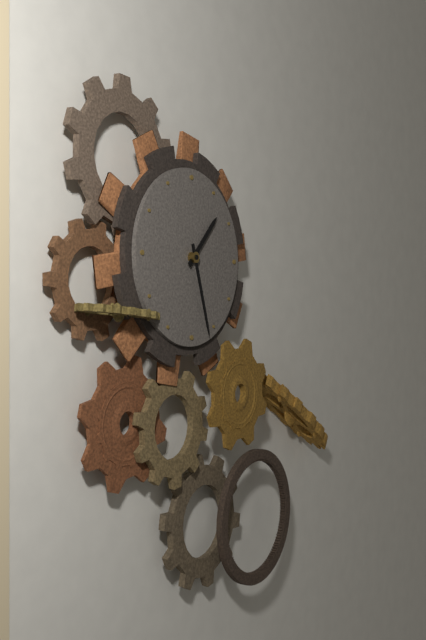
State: 1h27
